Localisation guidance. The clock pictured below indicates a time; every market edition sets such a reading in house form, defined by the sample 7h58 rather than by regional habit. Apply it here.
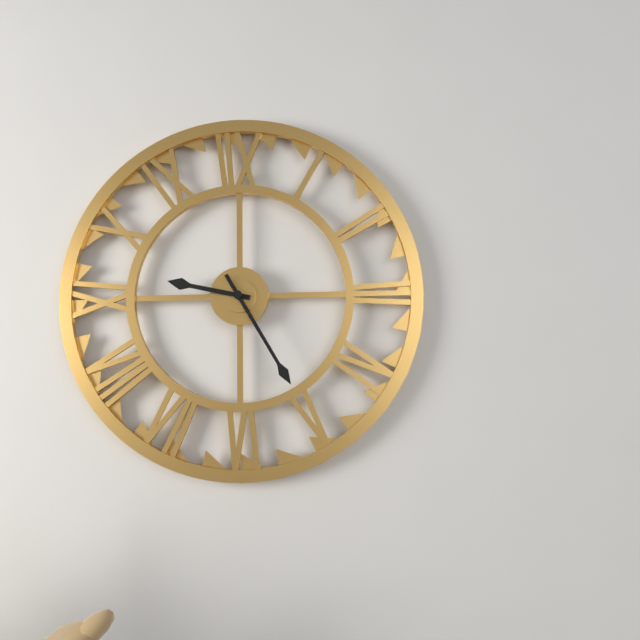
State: 9h25
